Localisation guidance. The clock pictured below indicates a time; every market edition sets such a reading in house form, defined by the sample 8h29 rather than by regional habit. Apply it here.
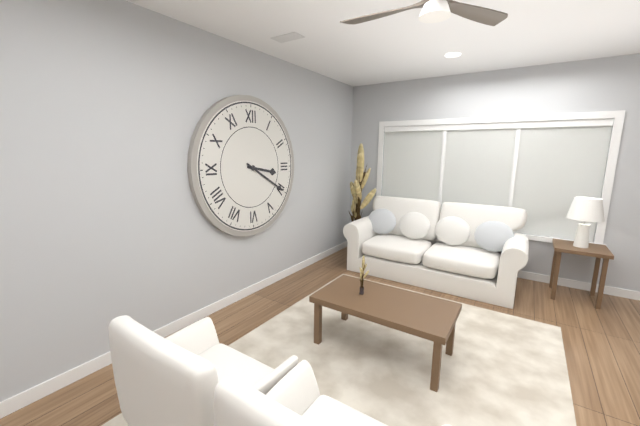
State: 3h20
